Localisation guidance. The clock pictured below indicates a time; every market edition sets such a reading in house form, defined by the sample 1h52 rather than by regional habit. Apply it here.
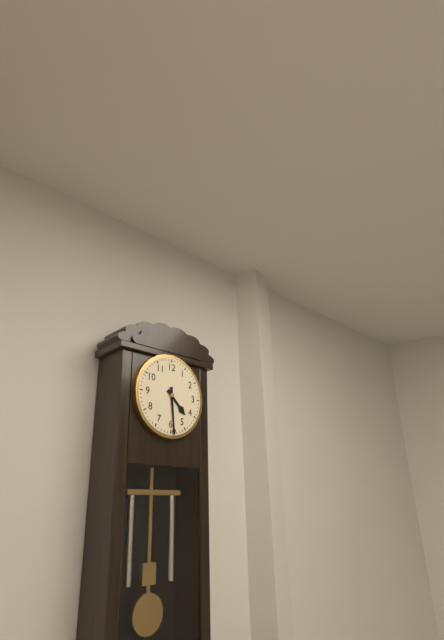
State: 4h29
